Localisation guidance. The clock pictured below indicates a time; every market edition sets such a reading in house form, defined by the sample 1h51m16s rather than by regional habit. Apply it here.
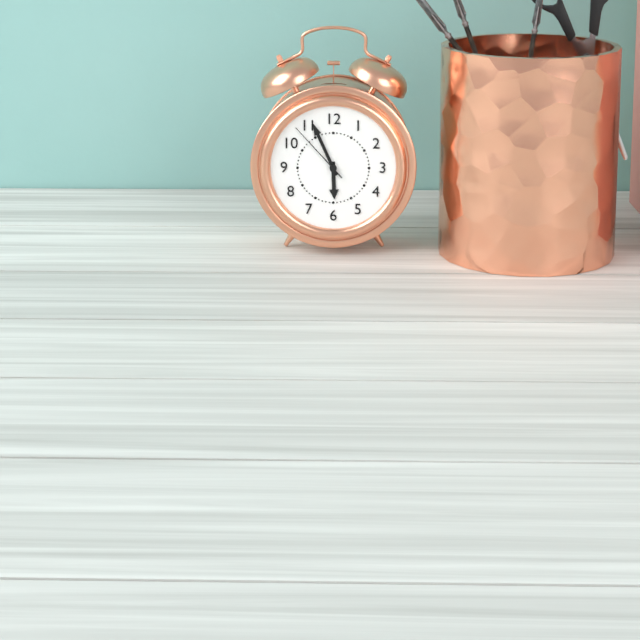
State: 5h56m53s
